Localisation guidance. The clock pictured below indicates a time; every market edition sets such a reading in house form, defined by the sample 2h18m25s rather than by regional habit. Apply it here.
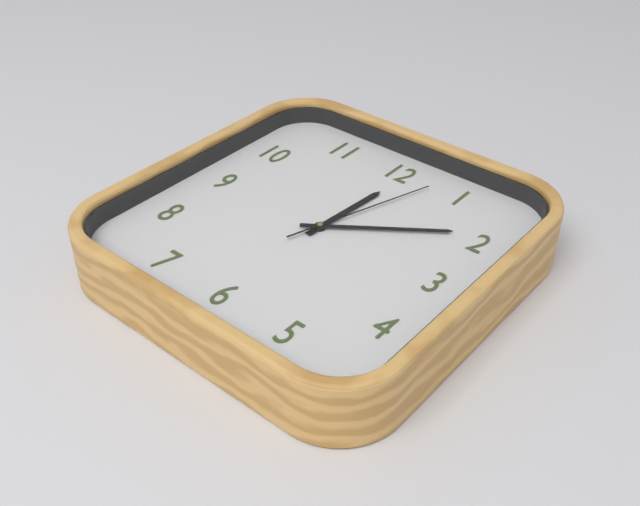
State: 12h09m03s
